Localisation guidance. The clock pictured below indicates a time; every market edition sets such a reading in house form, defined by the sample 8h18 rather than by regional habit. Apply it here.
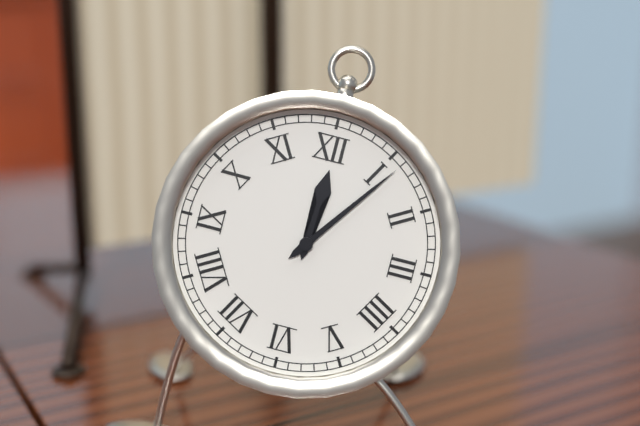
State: 12h06
